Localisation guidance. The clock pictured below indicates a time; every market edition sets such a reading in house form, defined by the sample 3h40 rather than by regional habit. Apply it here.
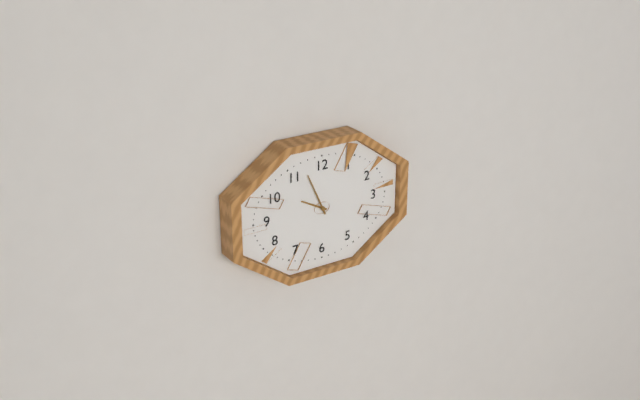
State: 9h56
